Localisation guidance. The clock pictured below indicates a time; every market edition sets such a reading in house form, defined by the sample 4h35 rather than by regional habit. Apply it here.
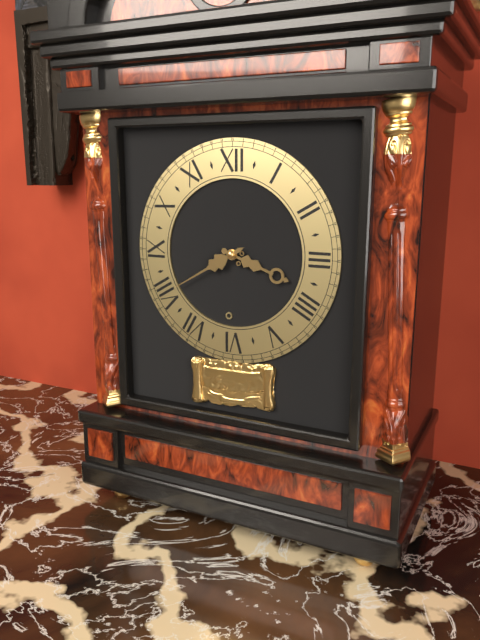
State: 3h40
